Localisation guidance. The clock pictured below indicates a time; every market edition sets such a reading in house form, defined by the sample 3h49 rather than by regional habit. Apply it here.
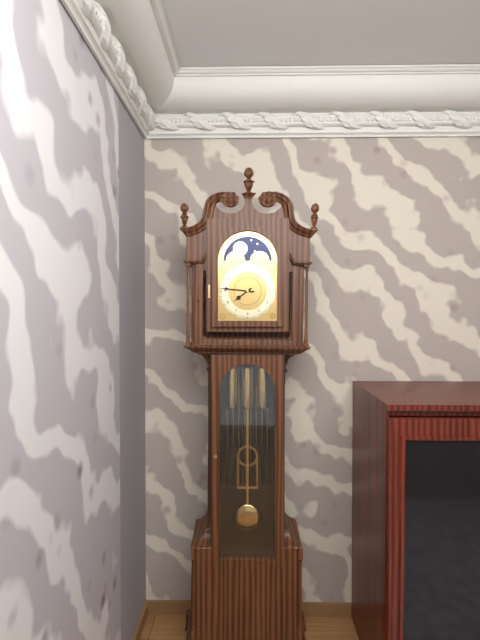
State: 7h46
